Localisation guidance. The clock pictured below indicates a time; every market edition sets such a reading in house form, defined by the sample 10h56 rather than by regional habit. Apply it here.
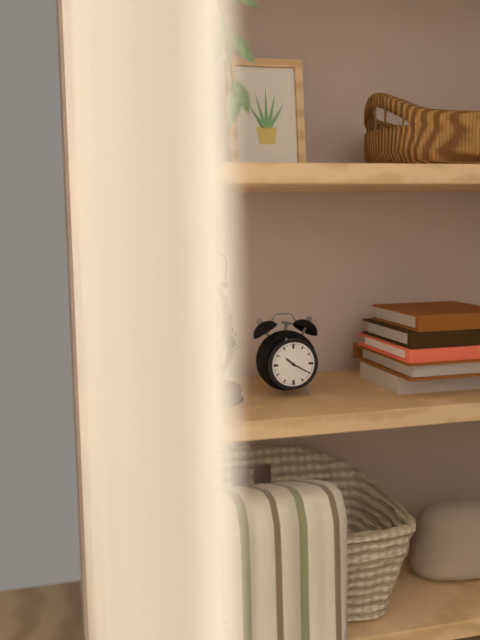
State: 10h20
